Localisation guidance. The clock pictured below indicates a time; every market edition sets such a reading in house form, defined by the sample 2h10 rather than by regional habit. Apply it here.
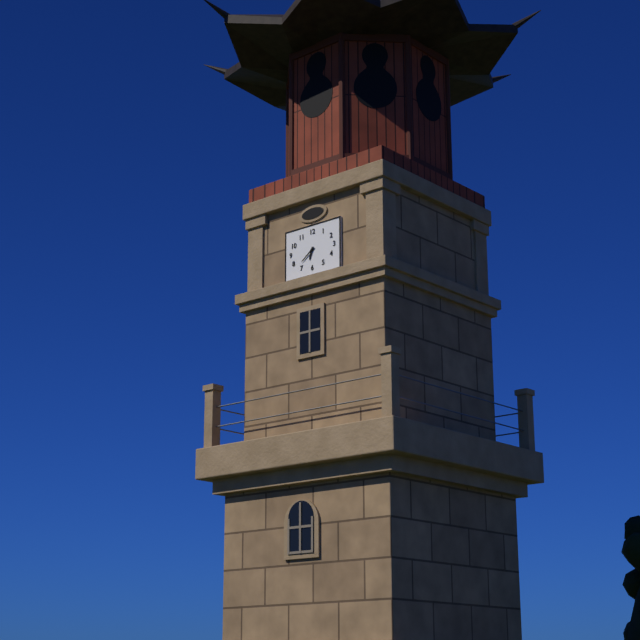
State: 6h39
